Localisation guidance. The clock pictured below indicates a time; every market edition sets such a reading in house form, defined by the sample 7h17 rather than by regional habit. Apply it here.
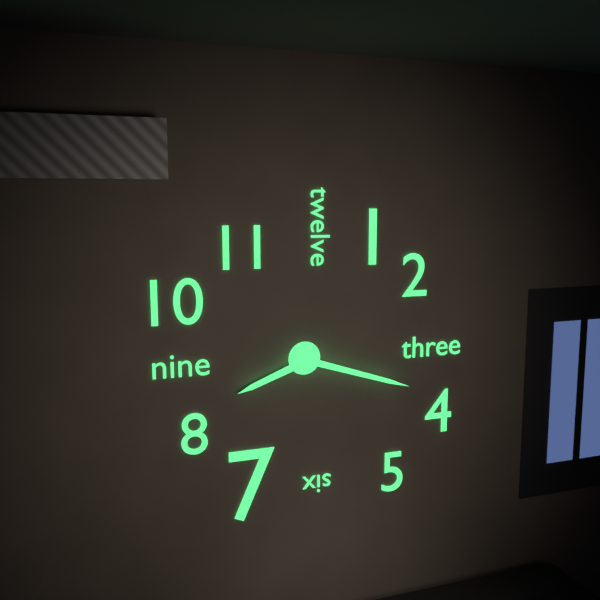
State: 8h18
